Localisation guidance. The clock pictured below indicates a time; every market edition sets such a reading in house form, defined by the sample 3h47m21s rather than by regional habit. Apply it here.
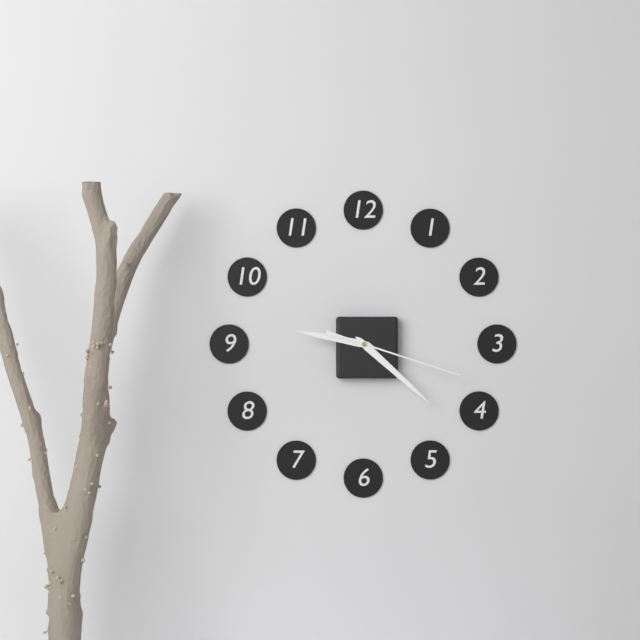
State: 9h22m18s
